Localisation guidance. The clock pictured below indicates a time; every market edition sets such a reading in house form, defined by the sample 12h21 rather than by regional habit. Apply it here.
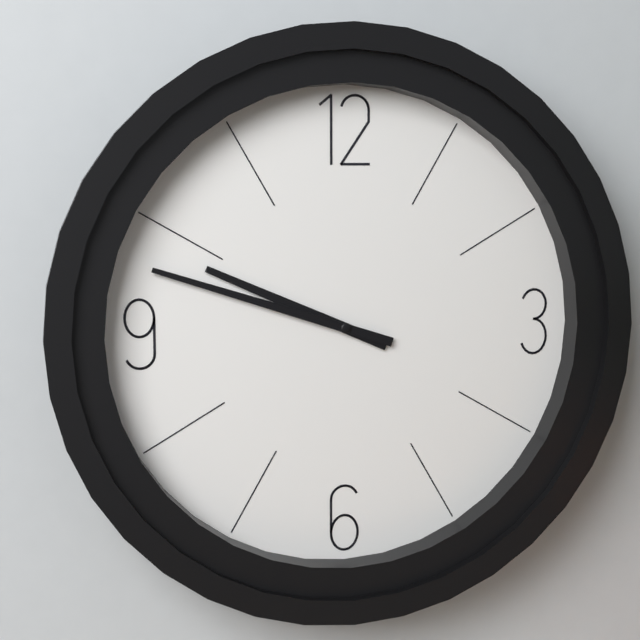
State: 9h48
